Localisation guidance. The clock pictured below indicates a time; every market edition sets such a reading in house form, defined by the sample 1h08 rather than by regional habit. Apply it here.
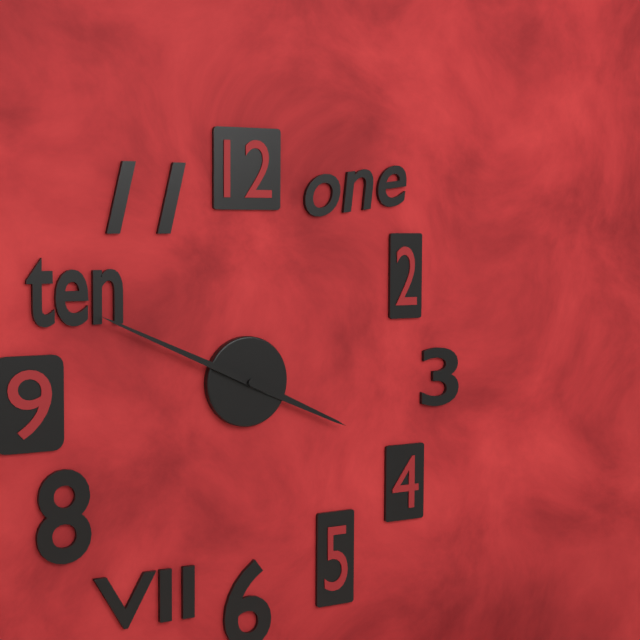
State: 3h49
